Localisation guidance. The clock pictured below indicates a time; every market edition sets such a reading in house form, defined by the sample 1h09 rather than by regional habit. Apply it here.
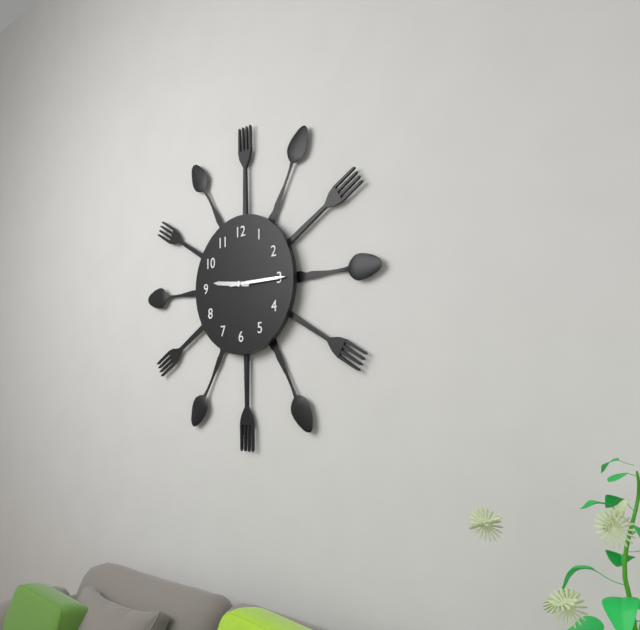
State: 9h15
